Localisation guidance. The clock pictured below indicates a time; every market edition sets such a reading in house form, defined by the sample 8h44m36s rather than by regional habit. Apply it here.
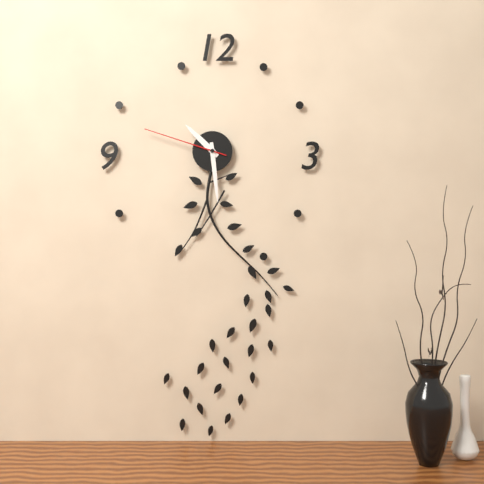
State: 10h29m48s
